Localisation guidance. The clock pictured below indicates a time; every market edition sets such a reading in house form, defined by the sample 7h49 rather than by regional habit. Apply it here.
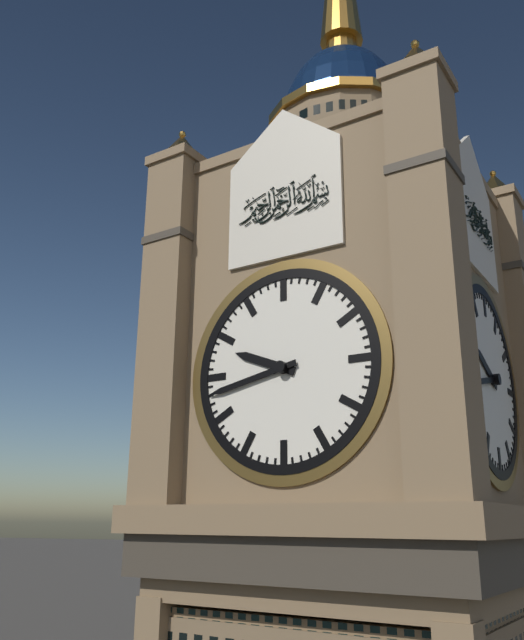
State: 9h43
